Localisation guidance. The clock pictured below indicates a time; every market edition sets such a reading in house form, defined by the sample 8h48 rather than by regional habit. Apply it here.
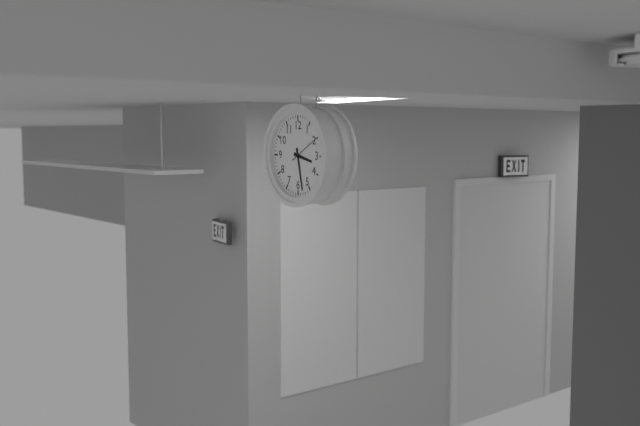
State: 3h28
